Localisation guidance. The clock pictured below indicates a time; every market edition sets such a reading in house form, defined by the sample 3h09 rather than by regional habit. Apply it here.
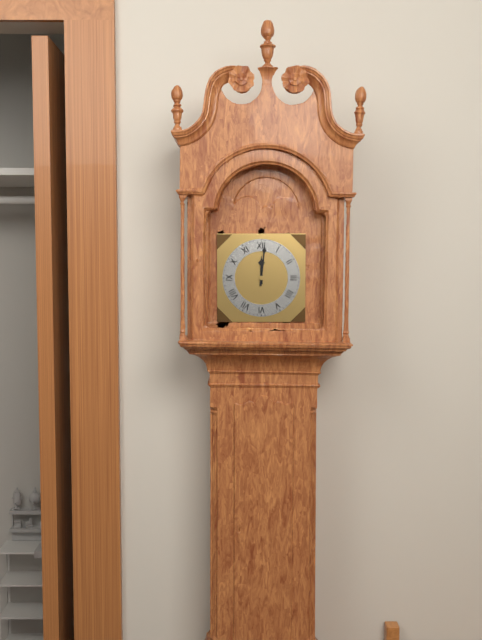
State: 12h01
